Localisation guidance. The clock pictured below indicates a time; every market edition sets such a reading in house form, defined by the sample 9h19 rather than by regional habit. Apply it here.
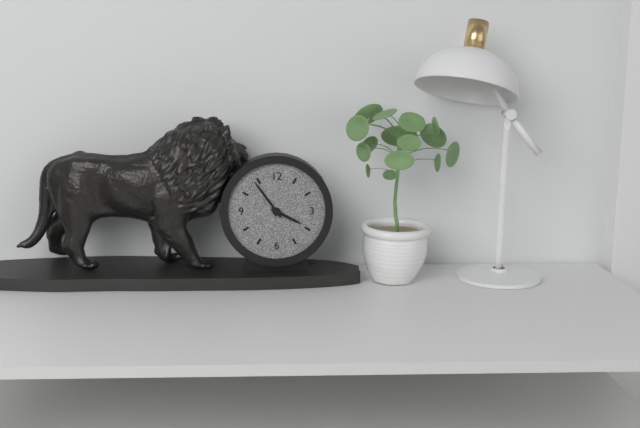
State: 3h54
